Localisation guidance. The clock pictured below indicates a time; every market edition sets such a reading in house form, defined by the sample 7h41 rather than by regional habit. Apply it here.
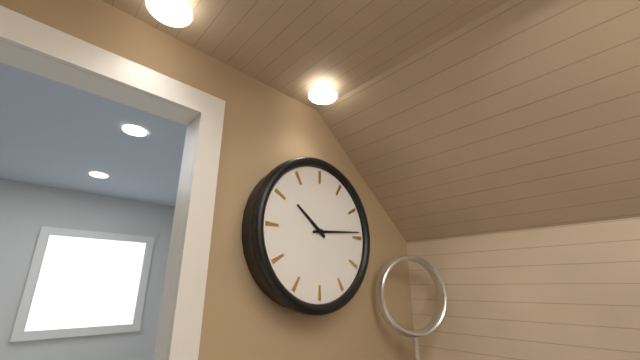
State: 10h14
